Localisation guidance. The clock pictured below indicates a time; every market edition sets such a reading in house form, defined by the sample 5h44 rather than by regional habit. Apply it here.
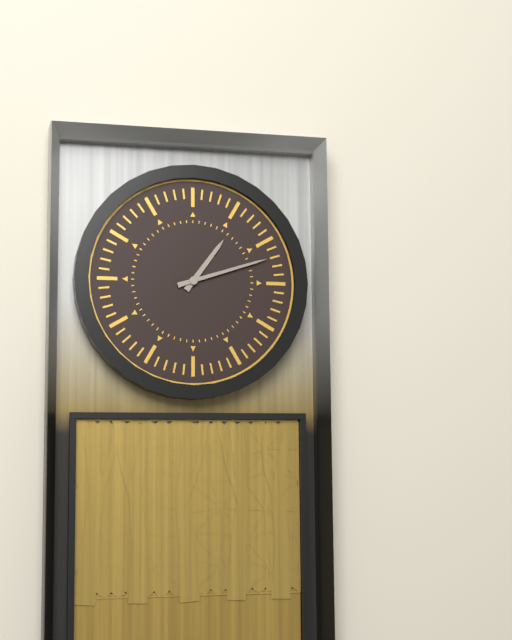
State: 1h12
